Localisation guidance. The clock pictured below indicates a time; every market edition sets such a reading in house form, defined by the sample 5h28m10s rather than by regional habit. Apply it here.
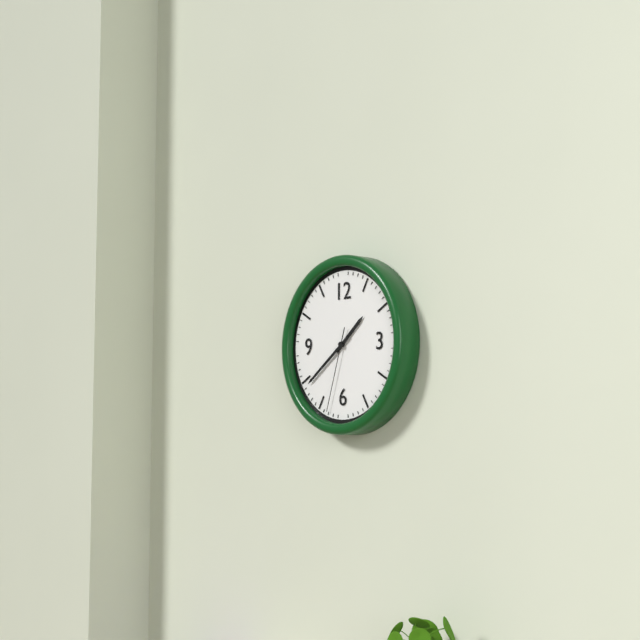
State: 1h39m33s
